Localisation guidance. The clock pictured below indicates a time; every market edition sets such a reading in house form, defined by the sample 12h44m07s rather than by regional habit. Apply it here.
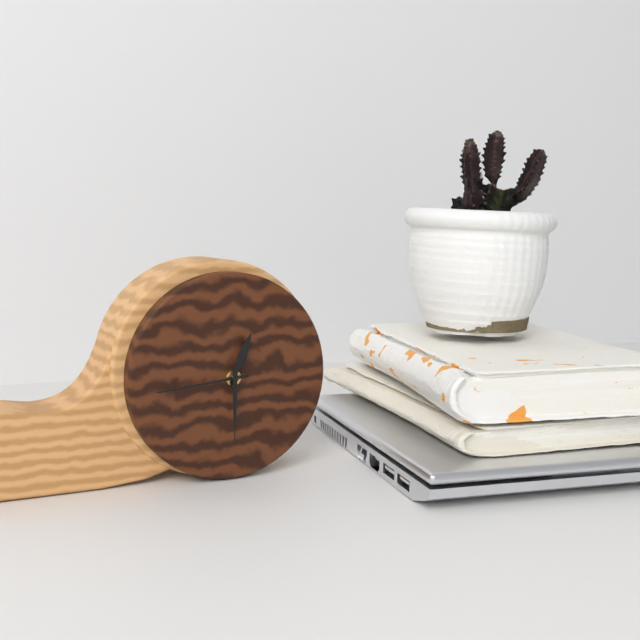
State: 12h44m30s
